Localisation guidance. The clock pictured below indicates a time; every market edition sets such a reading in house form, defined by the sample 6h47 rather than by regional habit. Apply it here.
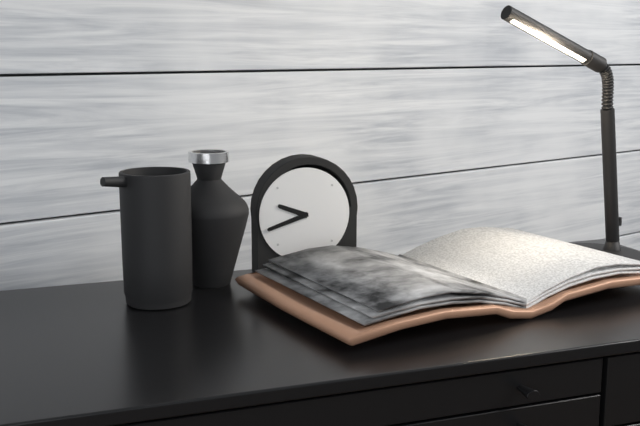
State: 9h42
